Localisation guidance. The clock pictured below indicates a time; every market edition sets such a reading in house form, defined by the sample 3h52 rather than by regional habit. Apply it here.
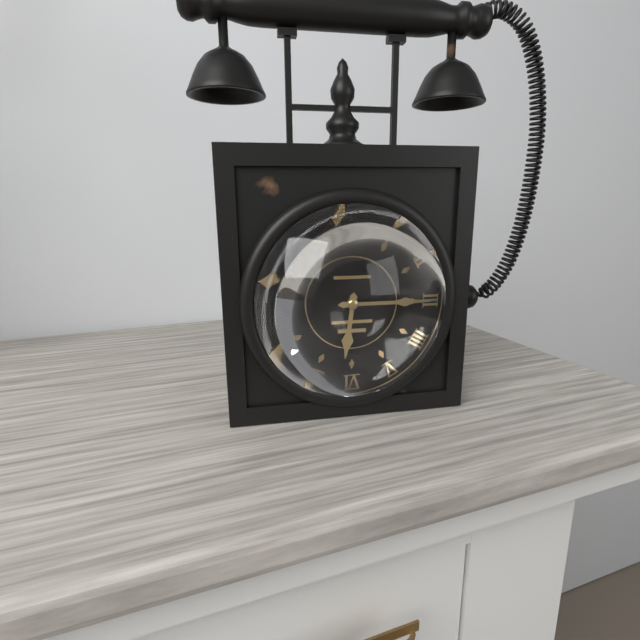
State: 6h15
